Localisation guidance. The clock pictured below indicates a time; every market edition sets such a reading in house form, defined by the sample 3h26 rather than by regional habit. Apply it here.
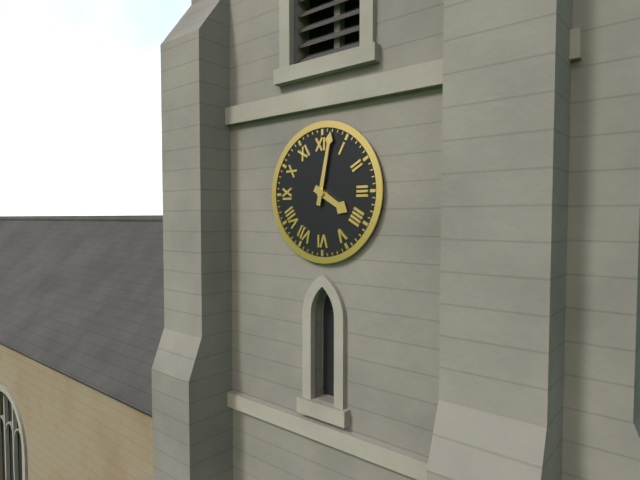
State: 4h02
